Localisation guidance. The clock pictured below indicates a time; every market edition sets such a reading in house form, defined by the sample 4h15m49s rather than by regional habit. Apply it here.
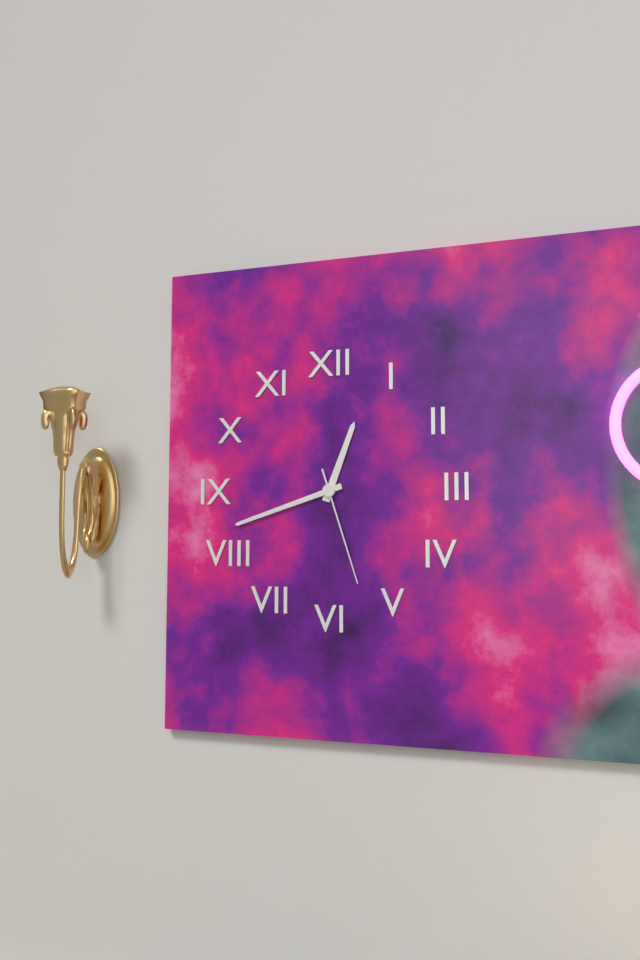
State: 12h42m27s
